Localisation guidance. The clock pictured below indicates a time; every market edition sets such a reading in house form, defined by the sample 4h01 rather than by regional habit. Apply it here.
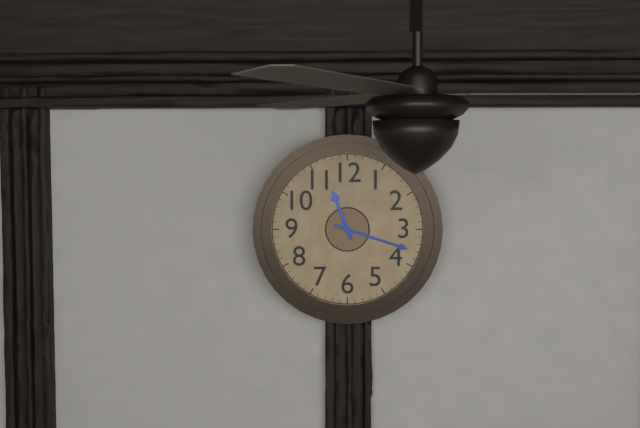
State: 11h18
